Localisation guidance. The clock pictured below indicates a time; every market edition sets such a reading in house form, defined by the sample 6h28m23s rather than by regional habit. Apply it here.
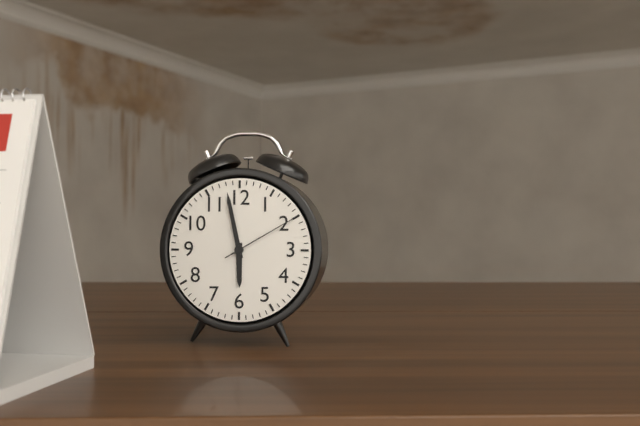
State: 5h58m10s
